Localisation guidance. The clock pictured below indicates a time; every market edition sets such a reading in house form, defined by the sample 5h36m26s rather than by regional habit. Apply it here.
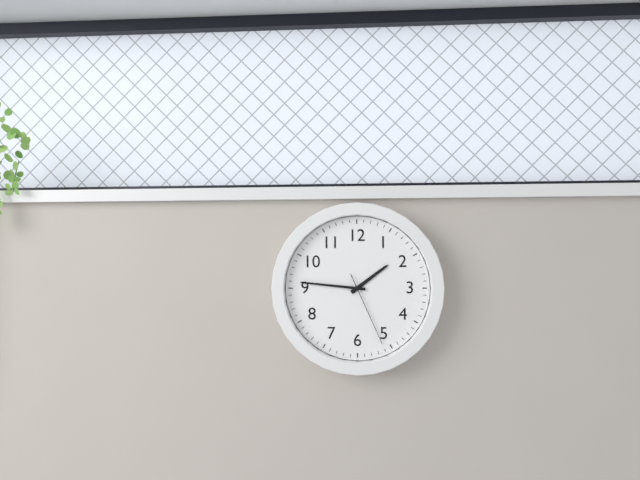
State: 1h46m26s
